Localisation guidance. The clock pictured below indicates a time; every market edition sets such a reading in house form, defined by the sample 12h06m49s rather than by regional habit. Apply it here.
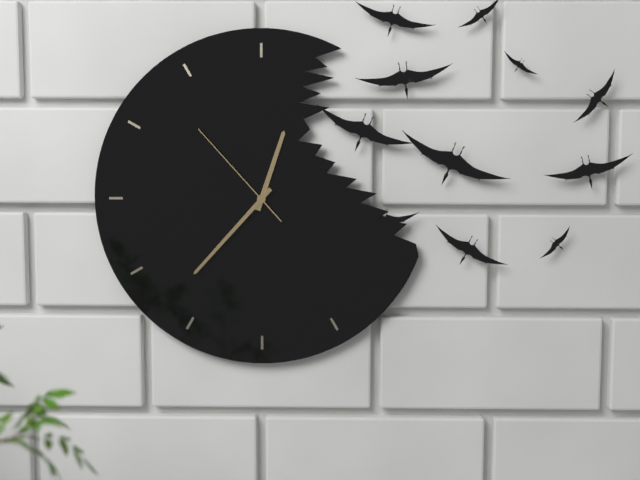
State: 12h37m53s
